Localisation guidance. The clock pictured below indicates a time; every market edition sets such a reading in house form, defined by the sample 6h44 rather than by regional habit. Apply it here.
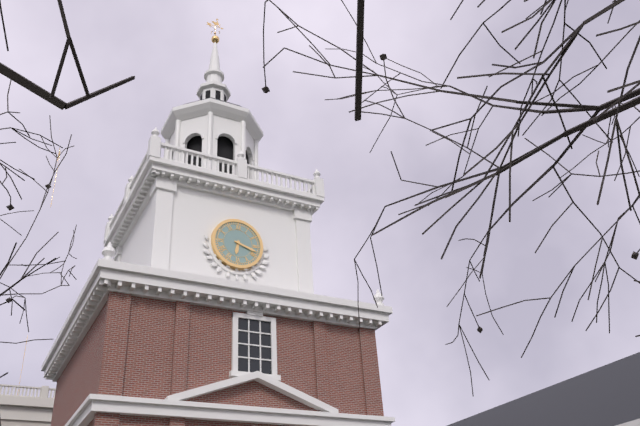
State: 6h18
